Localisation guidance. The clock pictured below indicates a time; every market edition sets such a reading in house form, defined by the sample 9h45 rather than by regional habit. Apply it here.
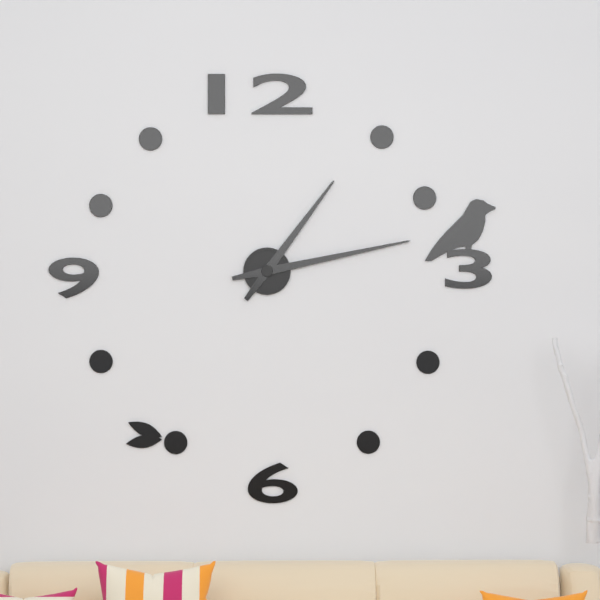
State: 1h13
